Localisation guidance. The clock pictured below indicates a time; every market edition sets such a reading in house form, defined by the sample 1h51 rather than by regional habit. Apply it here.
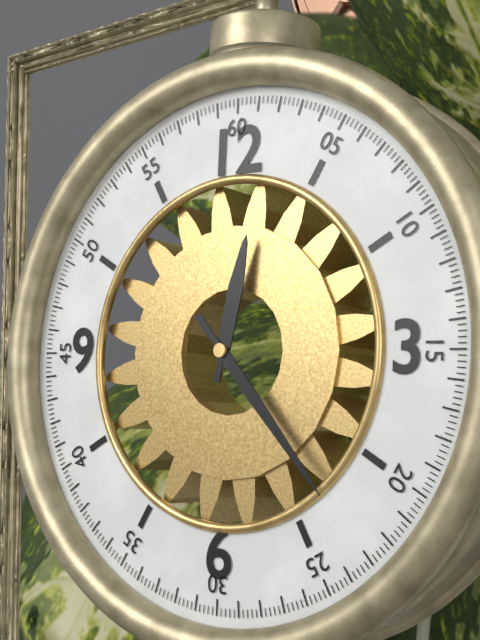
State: 12h23
